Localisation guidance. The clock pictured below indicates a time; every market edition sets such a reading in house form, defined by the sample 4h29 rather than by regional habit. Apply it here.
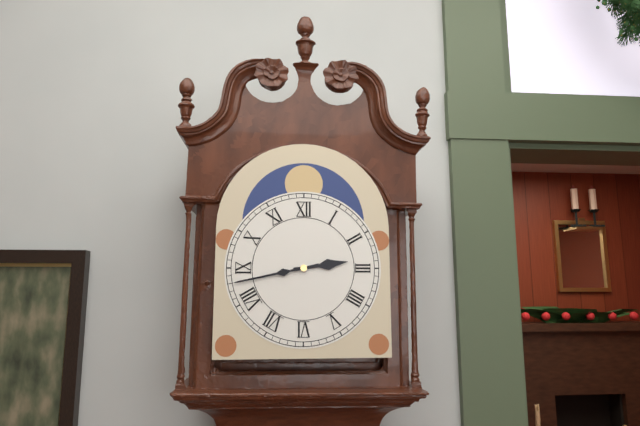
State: 2h43
